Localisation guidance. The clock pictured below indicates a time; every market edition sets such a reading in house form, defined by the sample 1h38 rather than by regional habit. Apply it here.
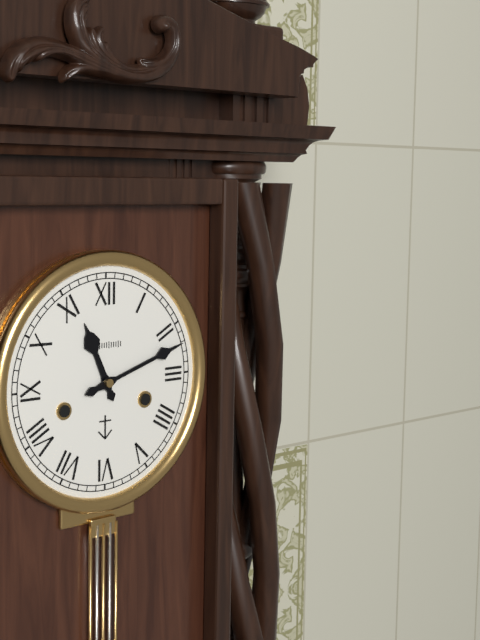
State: 11h12
